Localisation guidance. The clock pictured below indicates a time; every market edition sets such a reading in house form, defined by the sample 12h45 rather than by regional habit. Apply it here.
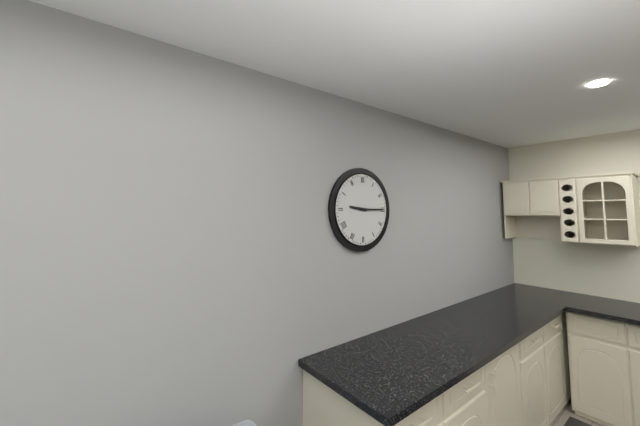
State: 9h15
